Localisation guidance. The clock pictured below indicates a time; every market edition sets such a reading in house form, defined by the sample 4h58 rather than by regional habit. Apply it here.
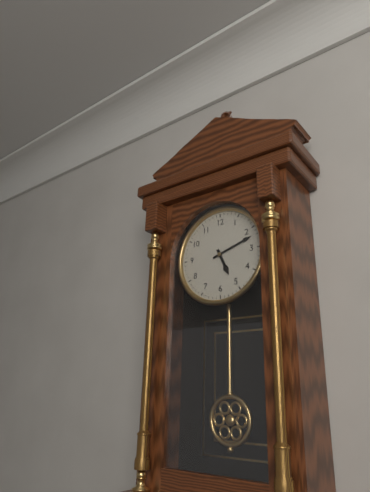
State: 5h12
